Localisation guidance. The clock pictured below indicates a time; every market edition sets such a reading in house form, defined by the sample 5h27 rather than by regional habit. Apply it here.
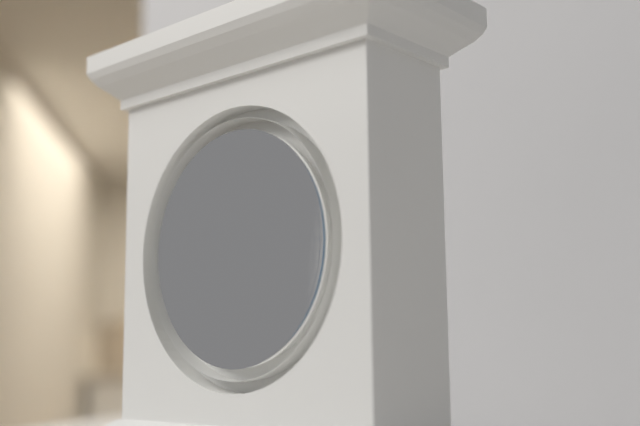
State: 9h36
